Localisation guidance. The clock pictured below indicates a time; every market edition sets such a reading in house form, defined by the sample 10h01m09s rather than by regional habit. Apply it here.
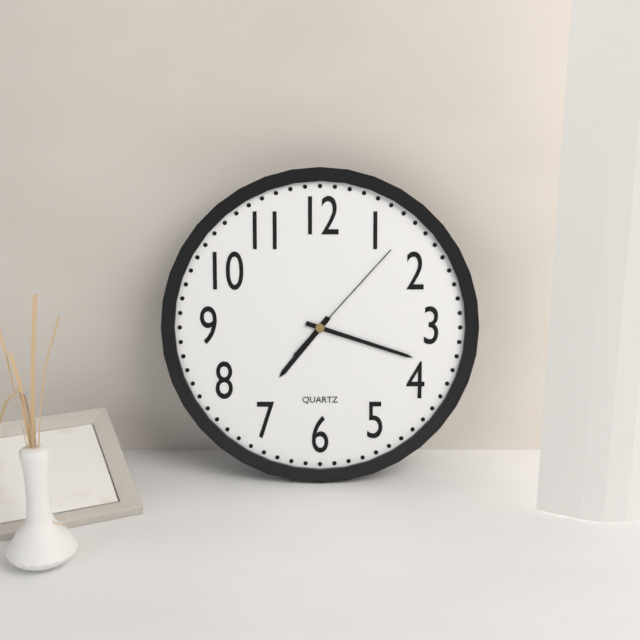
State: 7h18m07s
